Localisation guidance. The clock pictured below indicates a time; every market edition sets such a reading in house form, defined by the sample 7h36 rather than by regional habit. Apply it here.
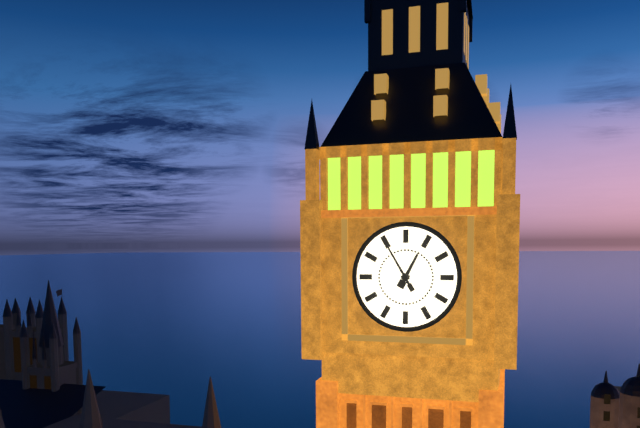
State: 12h55
